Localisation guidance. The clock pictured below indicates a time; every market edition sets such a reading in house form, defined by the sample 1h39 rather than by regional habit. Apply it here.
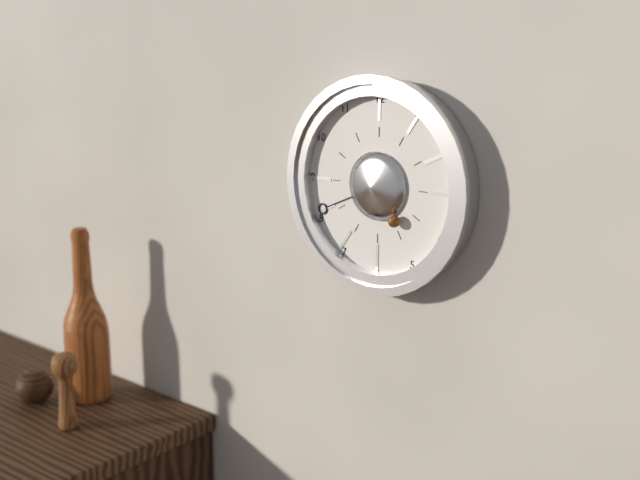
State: 4h41
